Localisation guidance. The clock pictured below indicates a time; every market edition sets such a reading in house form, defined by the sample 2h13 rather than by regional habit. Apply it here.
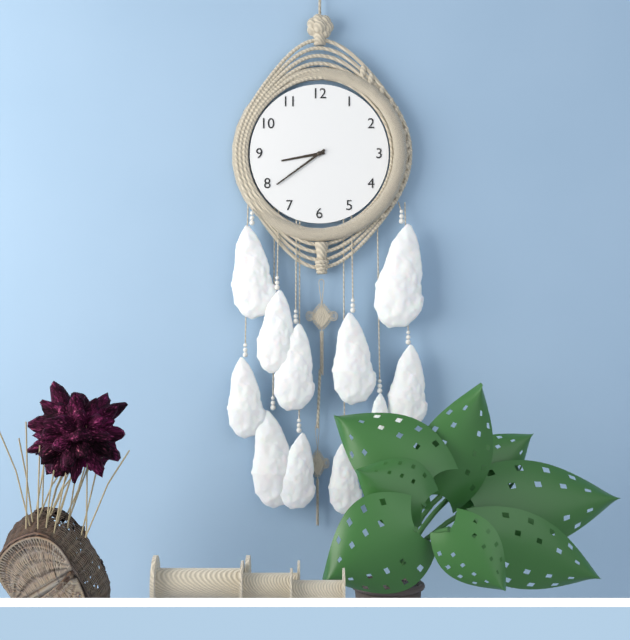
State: 8h39
